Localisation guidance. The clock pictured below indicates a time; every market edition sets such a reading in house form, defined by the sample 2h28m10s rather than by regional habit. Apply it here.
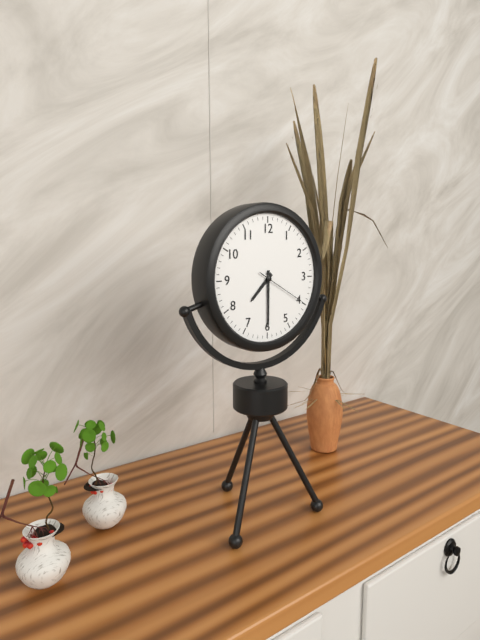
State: 7h30m20s
